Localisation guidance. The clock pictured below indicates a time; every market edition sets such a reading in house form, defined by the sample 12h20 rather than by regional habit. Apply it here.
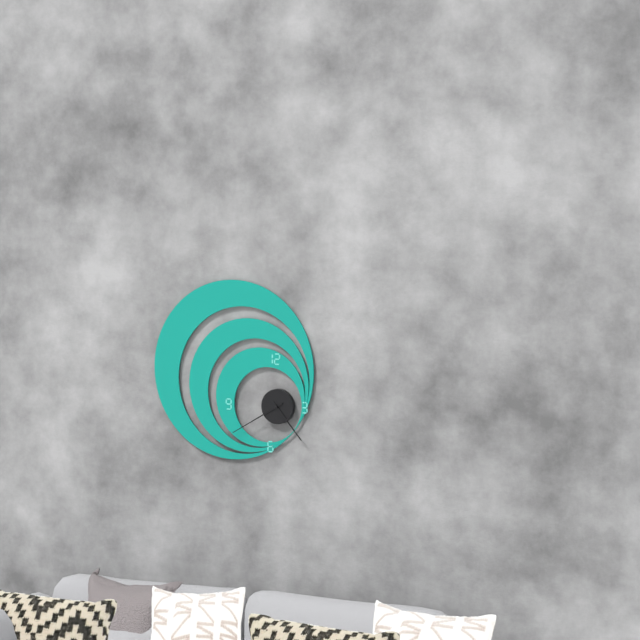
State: 4h40
